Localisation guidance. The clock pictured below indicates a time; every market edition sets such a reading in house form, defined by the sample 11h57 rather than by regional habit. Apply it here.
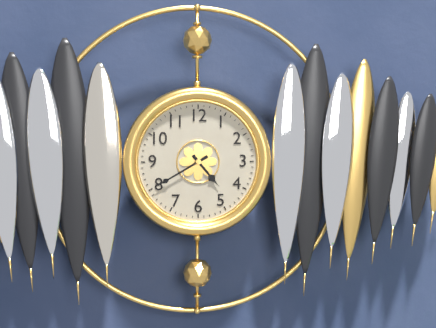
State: 4h40
